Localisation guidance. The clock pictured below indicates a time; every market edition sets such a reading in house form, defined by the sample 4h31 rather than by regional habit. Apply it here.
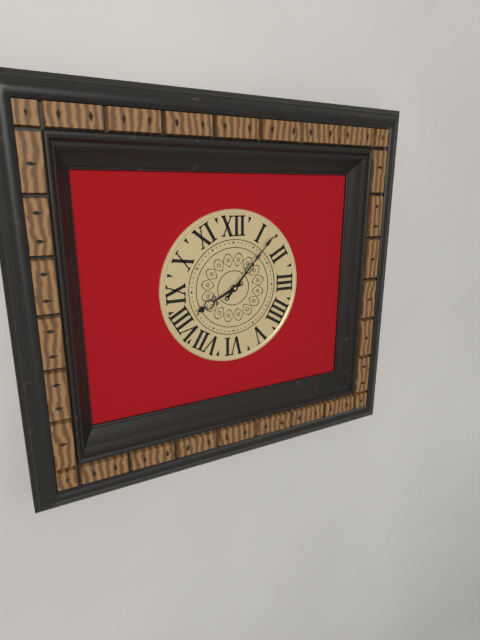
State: 8h07
